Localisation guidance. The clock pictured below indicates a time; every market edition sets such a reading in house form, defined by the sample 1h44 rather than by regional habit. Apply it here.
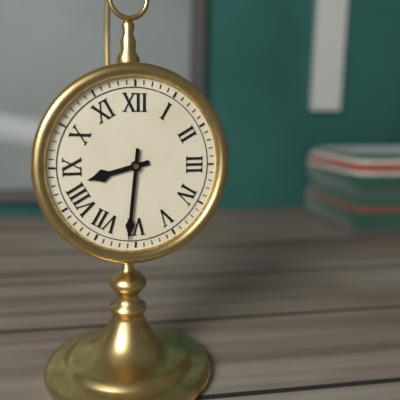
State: 8h31
